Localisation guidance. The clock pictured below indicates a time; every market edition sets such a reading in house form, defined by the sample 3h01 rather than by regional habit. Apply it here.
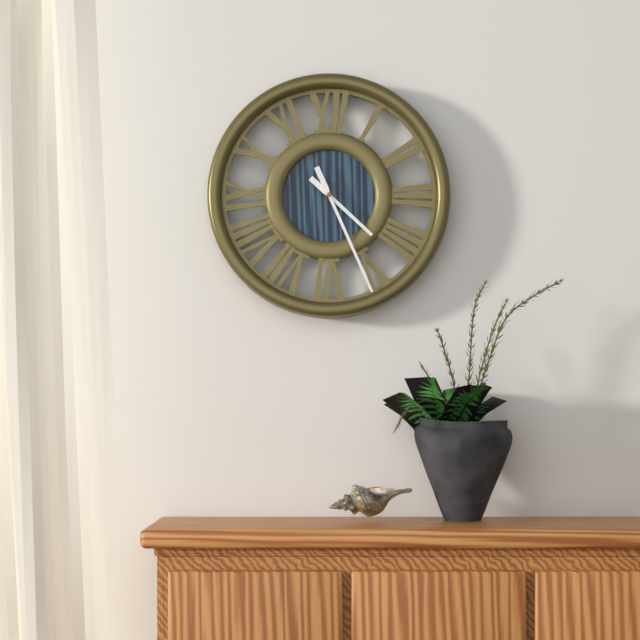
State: 4h26
